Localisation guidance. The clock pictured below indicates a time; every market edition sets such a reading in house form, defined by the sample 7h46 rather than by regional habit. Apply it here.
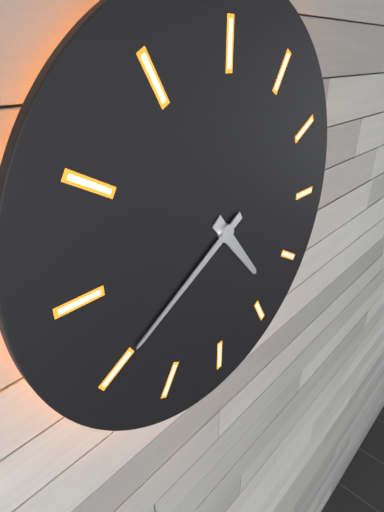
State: 4h40
